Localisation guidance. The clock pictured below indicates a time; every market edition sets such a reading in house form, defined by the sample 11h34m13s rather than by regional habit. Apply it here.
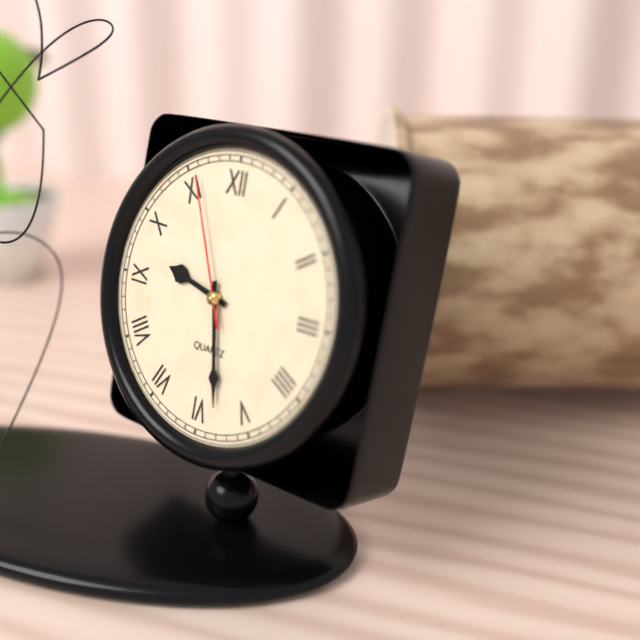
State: 9h28m56s
